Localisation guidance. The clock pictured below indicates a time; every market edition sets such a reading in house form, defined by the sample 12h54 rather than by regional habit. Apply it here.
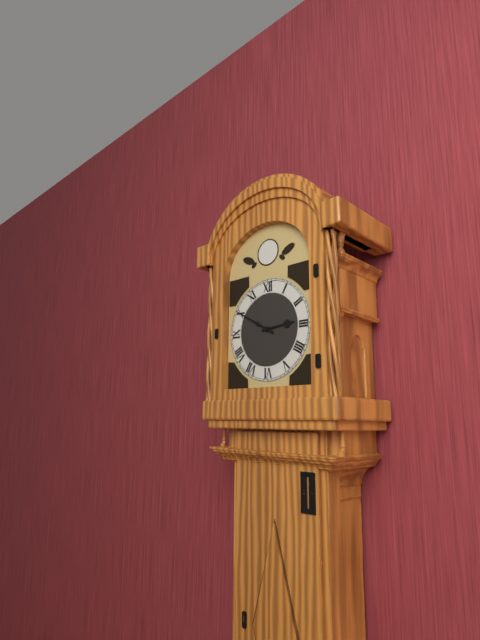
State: 2h50
